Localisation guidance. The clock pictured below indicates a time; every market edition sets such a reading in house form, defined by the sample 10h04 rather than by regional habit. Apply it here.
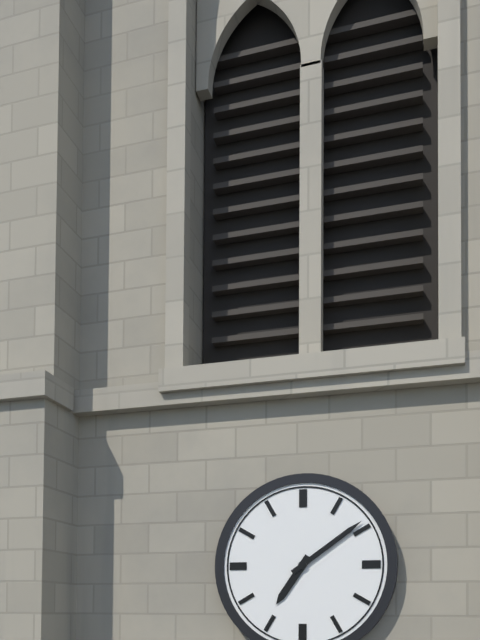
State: 7h09
